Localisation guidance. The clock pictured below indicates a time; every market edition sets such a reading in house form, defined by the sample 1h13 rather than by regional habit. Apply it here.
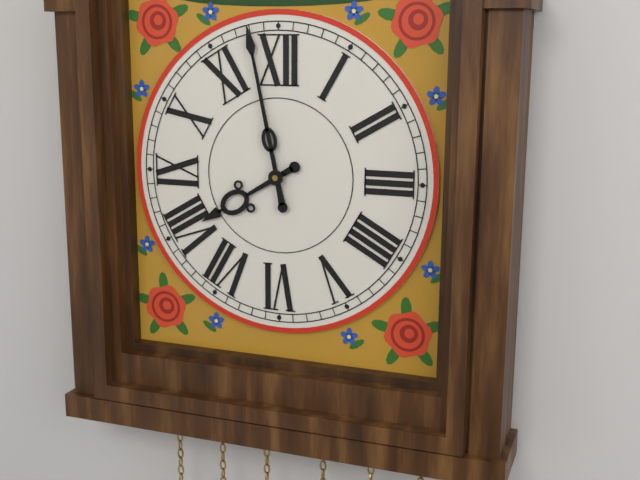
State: 7h58
